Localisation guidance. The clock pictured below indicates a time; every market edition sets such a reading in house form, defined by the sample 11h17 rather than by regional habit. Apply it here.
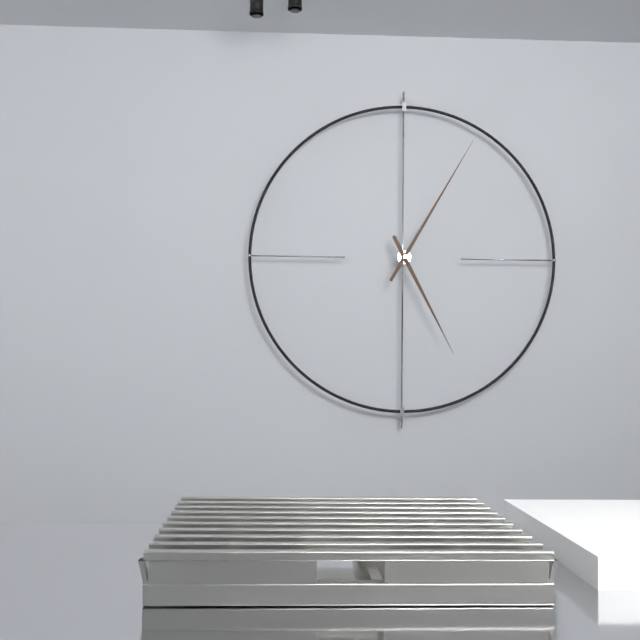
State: 5h05
